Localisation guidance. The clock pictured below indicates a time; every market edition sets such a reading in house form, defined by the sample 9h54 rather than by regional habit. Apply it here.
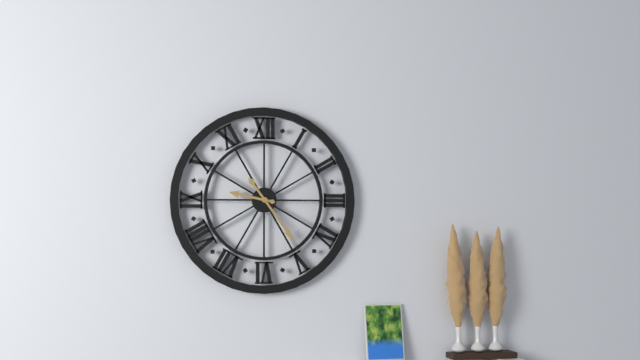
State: 9h24
